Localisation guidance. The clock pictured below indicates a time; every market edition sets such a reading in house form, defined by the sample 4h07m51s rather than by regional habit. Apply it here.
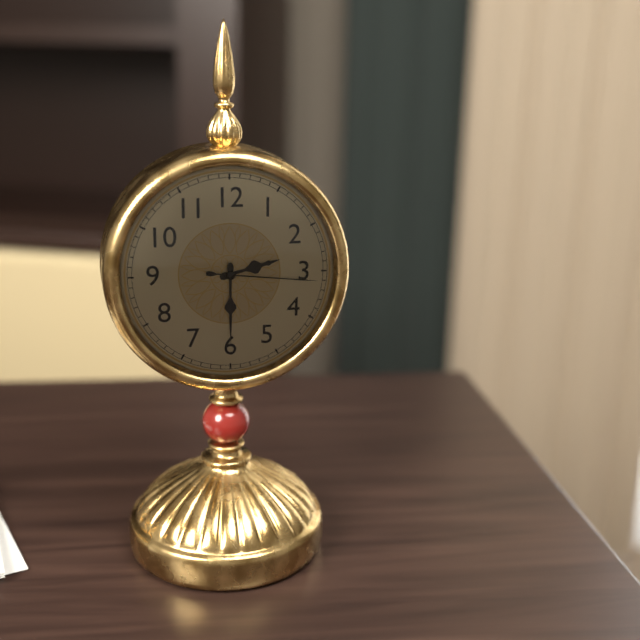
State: 2h30m16s
